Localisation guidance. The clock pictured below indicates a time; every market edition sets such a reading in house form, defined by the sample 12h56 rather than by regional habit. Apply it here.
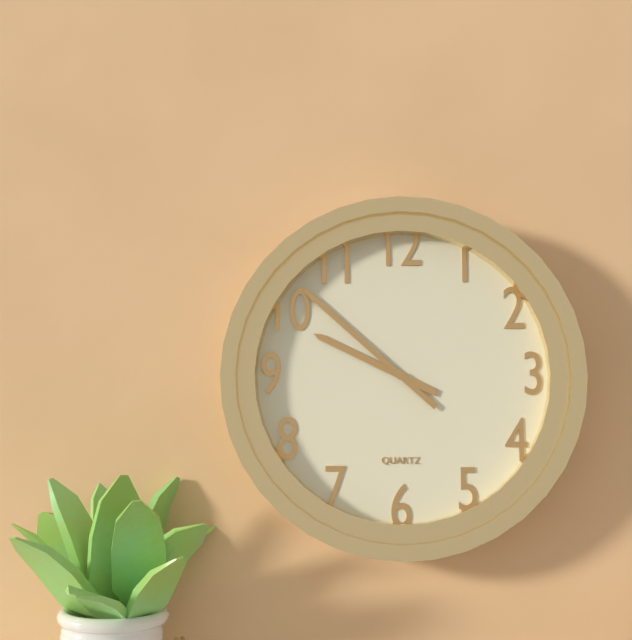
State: 9h52
